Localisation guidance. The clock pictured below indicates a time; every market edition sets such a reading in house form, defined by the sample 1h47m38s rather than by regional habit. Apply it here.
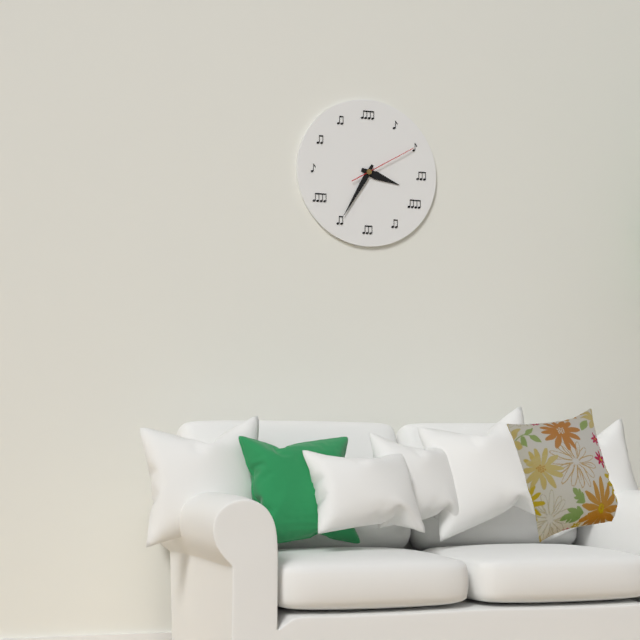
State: 3h35m10s
